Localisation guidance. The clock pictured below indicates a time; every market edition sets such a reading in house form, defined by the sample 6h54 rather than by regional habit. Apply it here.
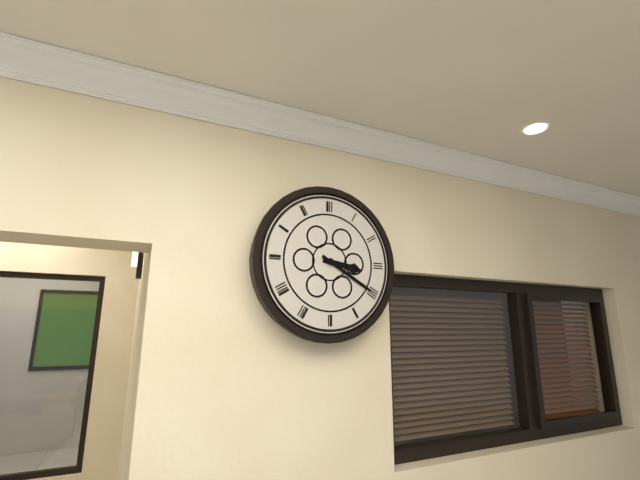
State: 3h20
